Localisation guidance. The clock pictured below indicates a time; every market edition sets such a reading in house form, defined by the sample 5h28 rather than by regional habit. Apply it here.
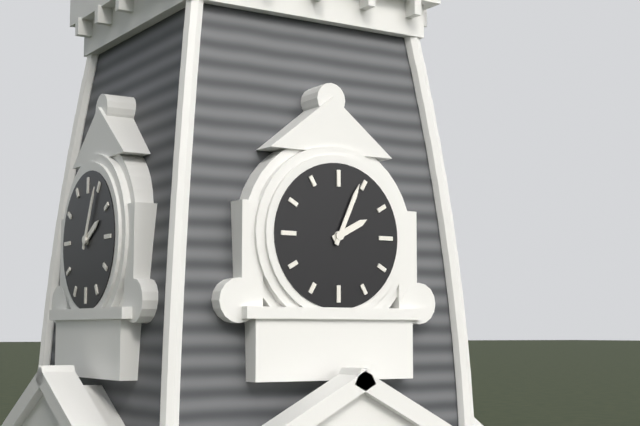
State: 2h04
